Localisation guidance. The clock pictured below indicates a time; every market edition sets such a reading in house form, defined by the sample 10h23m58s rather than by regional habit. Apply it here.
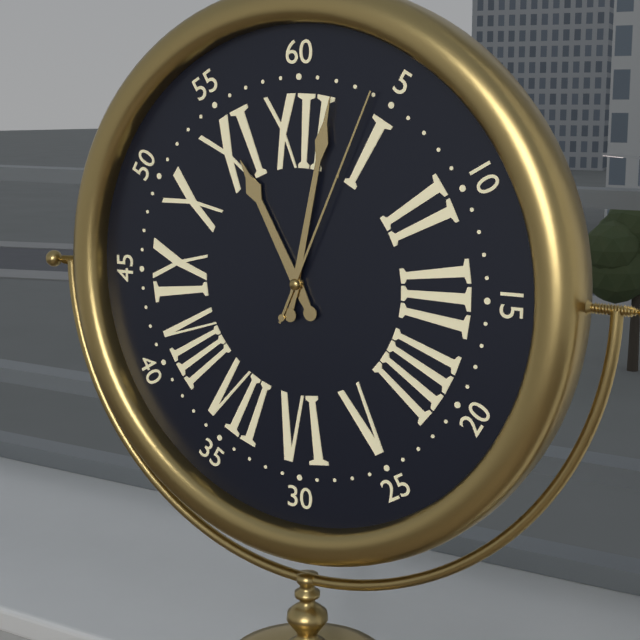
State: 11h02m04s
